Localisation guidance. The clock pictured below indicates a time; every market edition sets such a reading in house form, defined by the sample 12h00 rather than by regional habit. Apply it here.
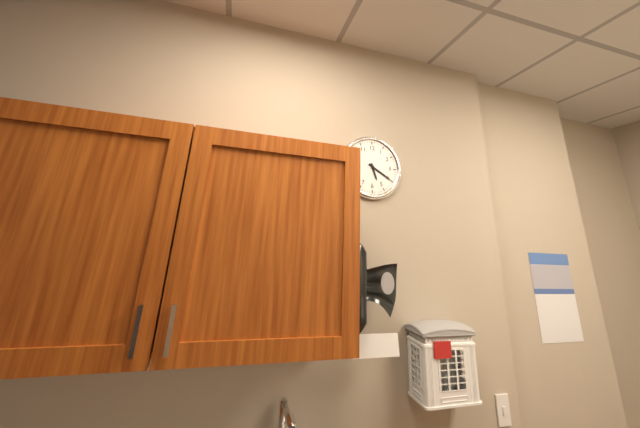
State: 5h20
